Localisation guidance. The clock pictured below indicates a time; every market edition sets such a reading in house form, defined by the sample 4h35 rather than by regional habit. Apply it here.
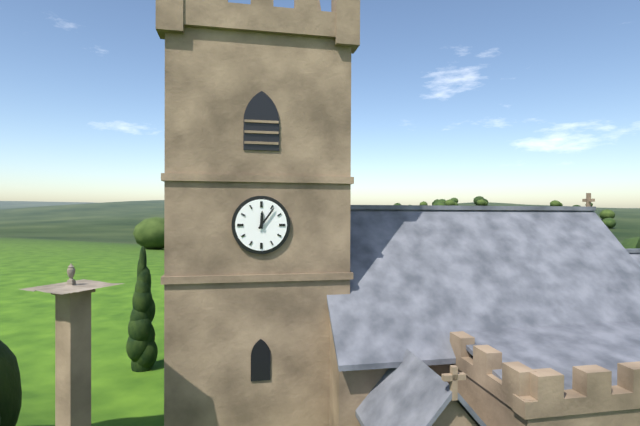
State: 12h06
